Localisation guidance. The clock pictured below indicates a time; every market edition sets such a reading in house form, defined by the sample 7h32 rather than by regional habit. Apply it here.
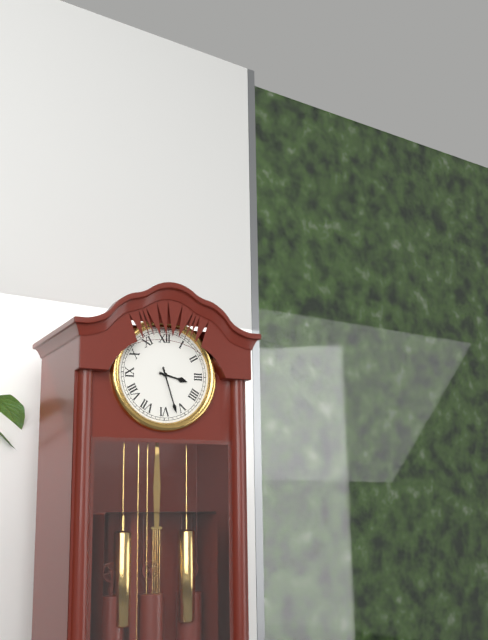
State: 3h27
